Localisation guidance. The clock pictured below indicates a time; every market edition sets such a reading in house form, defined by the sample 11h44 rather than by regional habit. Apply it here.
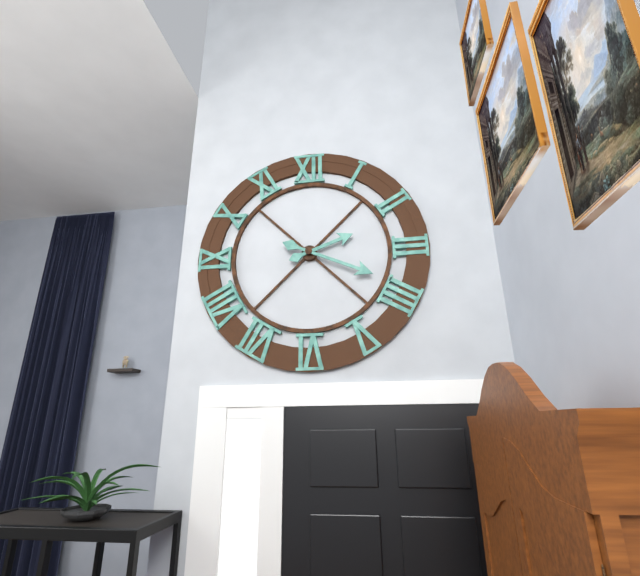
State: 2h19
